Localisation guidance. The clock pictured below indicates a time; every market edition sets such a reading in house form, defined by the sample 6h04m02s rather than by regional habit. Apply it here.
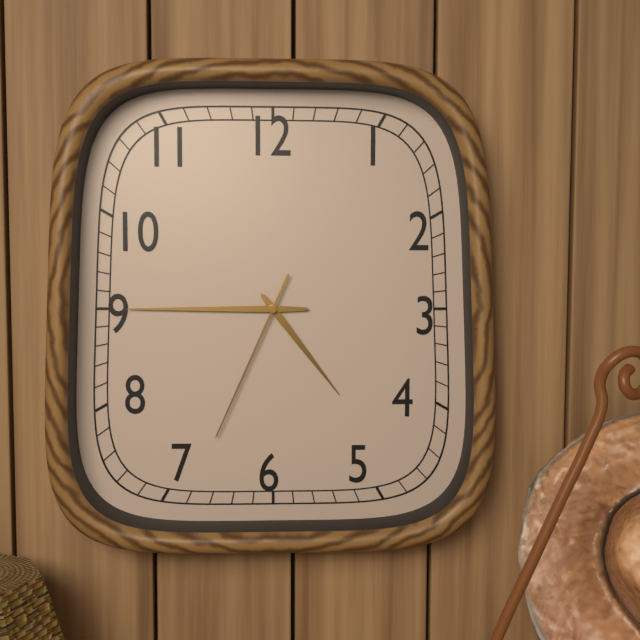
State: 4h45m34s
